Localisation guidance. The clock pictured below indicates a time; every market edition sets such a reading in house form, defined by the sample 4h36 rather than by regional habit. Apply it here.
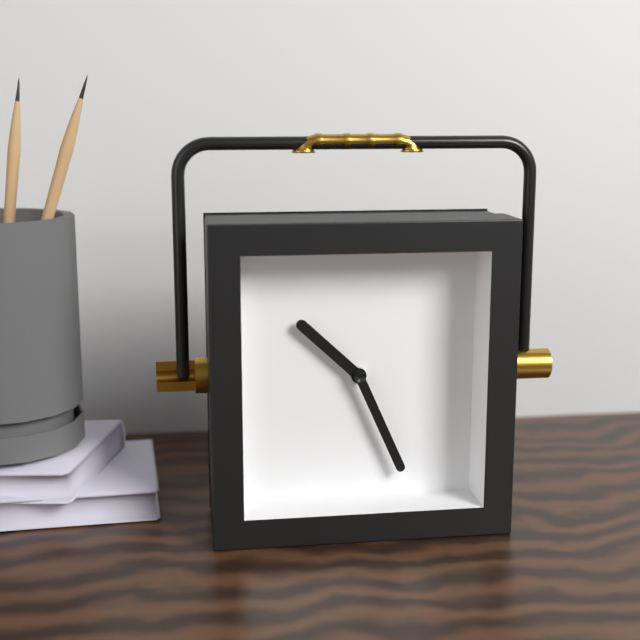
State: 10h26
